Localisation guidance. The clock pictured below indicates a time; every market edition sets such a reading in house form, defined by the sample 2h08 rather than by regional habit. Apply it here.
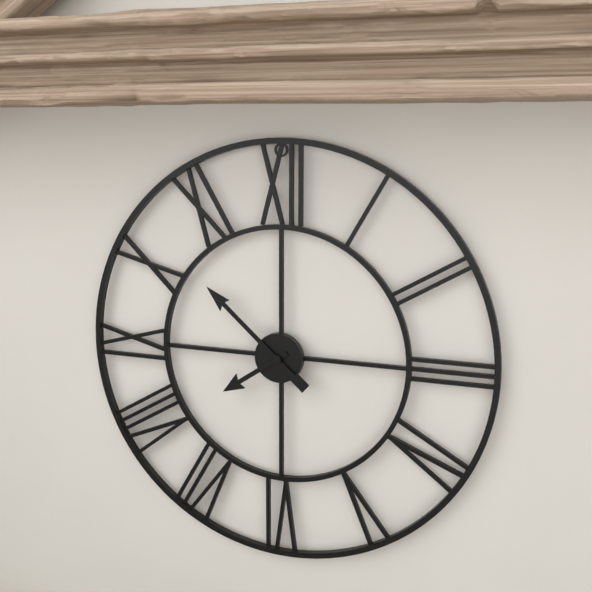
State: 7h52
